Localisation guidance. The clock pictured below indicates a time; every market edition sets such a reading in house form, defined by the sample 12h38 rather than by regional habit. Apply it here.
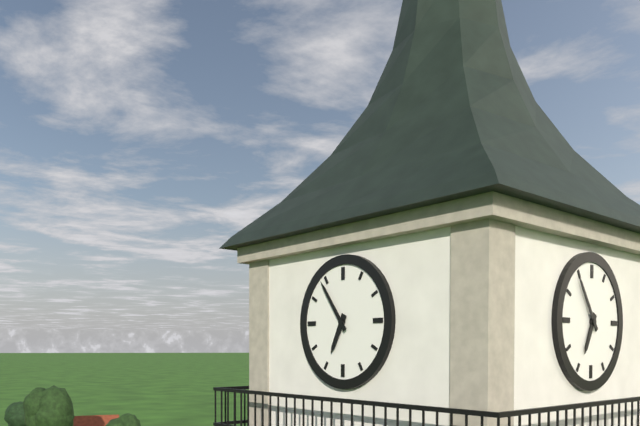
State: 6h54
